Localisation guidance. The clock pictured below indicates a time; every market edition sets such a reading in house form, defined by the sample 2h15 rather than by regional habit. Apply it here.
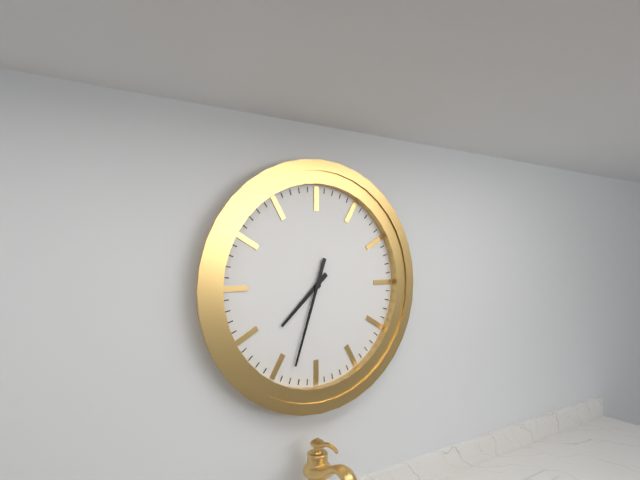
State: 7h33
